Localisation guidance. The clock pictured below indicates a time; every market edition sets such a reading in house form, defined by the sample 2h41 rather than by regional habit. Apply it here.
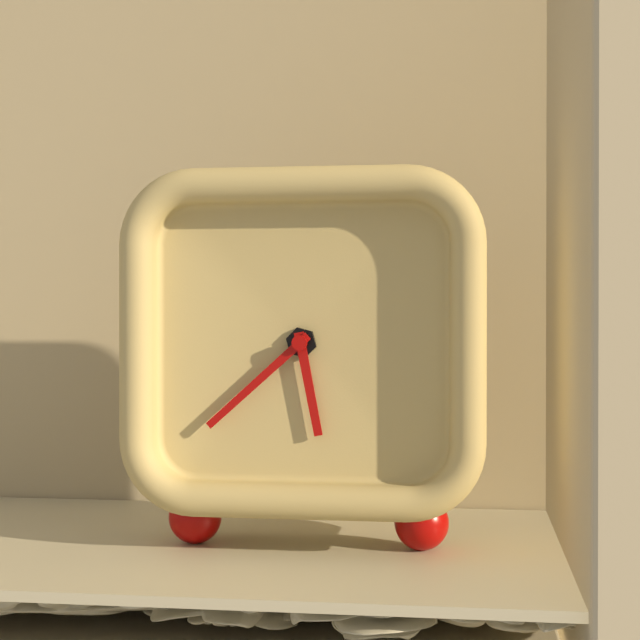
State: 5h38
